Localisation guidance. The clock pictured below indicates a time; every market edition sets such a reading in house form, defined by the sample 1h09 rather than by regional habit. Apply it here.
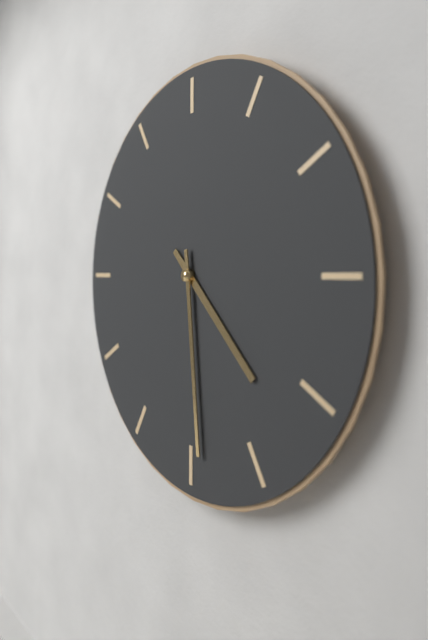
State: 4h29
